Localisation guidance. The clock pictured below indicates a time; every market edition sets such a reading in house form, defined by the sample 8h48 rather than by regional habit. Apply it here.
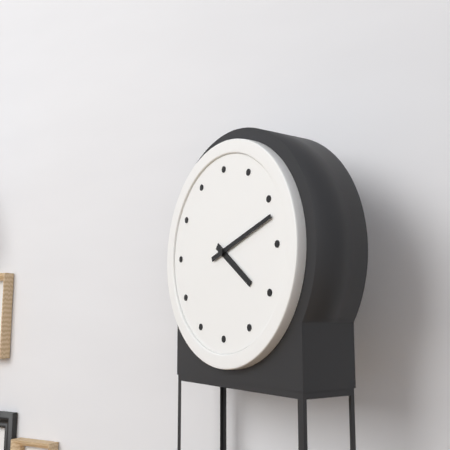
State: 4h12
